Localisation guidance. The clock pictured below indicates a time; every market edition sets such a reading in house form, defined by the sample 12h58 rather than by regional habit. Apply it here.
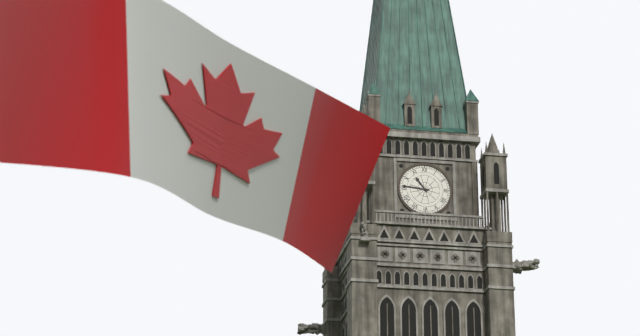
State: 10h46
